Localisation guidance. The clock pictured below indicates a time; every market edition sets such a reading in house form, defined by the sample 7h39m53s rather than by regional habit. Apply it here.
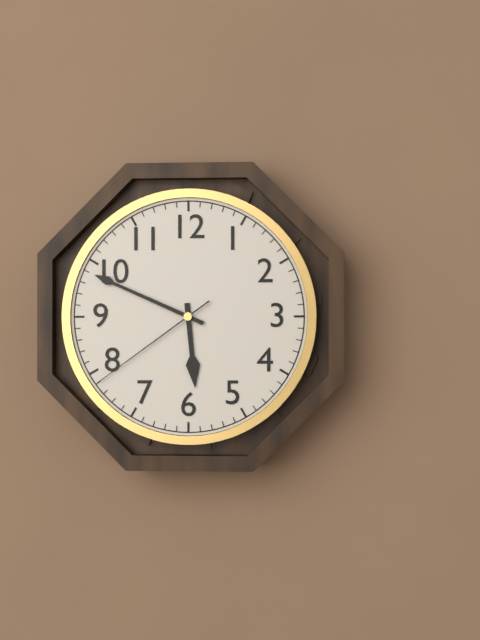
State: 5h49m39s
